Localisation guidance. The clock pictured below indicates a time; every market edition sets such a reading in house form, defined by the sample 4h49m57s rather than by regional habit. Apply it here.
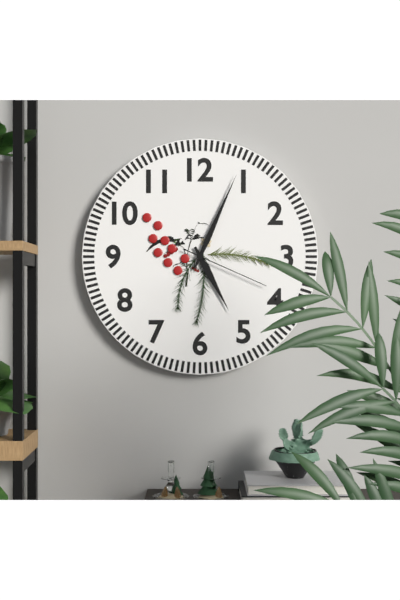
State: 5h04m19s
